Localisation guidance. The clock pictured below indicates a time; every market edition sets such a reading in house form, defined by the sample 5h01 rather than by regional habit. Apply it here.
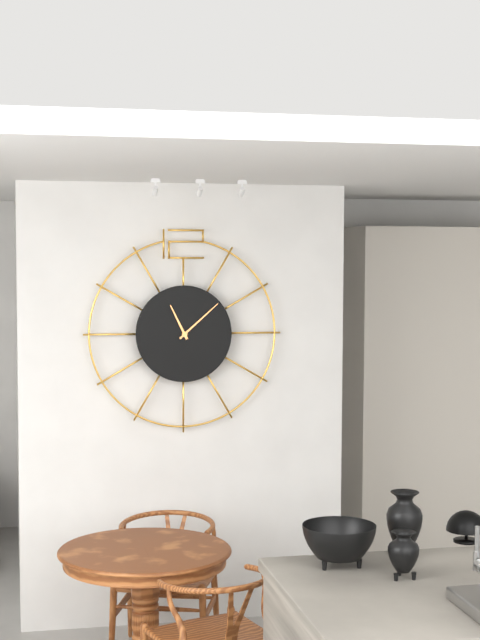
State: 11h08
